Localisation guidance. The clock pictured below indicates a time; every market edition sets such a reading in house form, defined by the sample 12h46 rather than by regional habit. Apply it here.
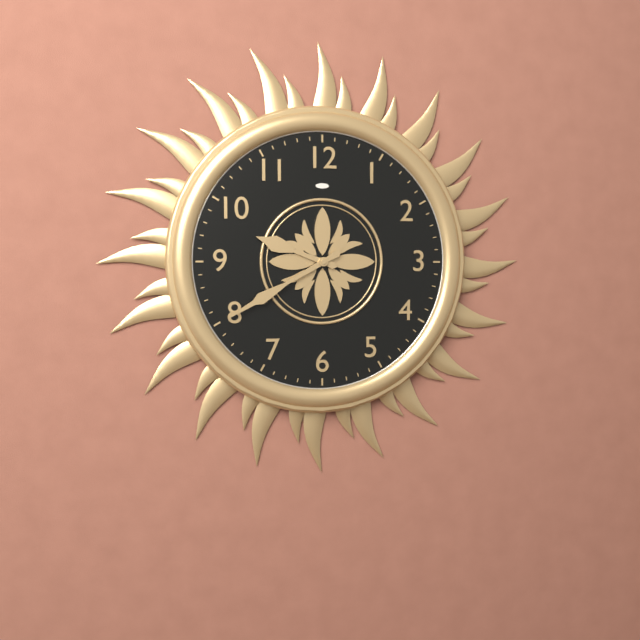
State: 9h40
